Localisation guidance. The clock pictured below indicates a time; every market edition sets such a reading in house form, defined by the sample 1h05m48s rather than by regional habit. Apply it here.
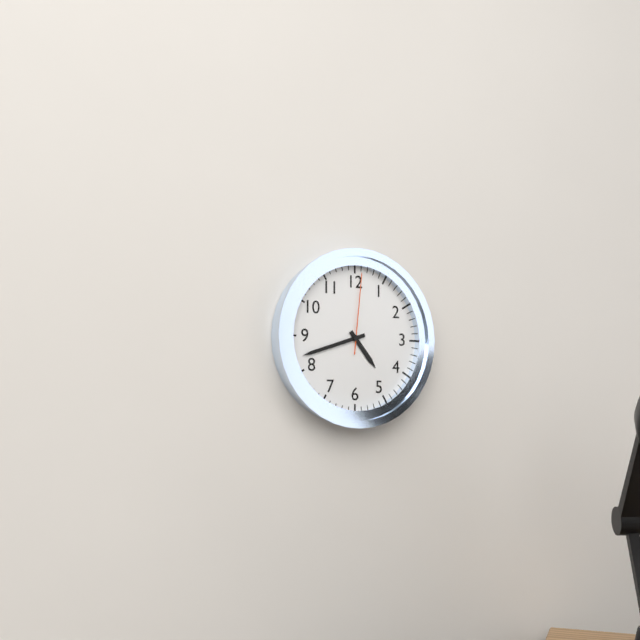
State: 4h42m01s
